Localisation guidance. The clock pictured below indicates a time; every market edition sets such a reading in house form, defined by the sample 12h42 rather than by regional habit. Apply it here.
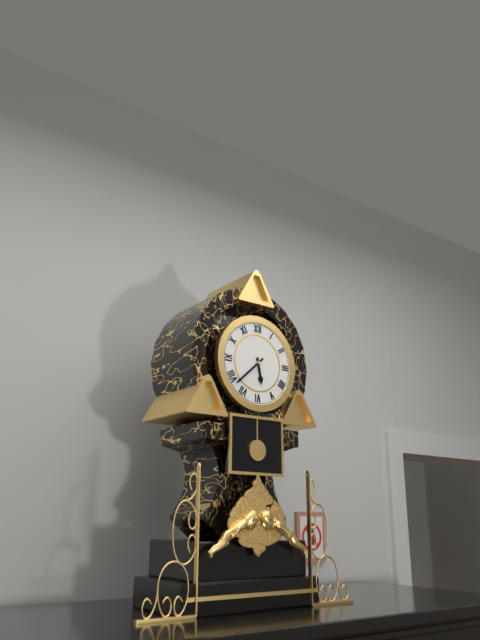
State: 5h38
